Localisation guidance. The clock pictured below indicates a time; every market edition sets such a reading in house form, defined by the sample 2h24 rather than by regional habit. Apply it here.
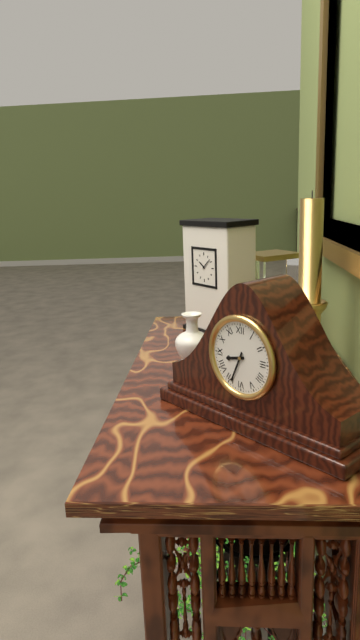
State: 8h34
